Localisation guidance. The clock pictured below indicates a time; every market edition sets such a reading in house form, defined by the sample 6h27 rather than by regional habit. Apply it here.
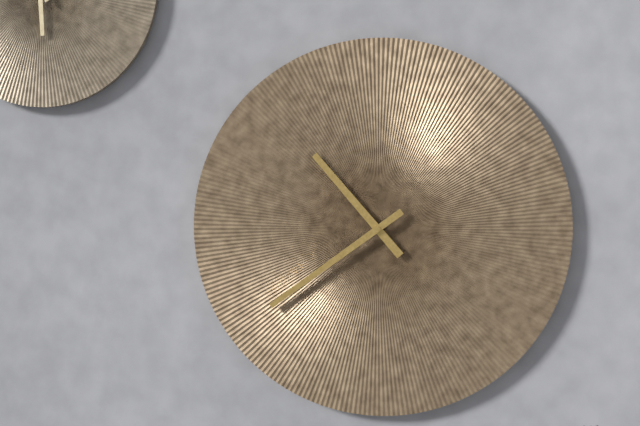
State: 10h39
